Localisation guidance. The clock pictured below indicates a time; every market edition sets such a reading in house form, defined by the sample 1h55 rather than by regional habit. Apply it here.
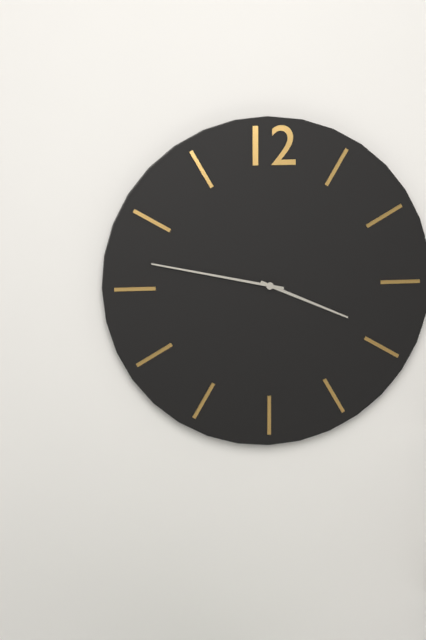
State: 3h47
